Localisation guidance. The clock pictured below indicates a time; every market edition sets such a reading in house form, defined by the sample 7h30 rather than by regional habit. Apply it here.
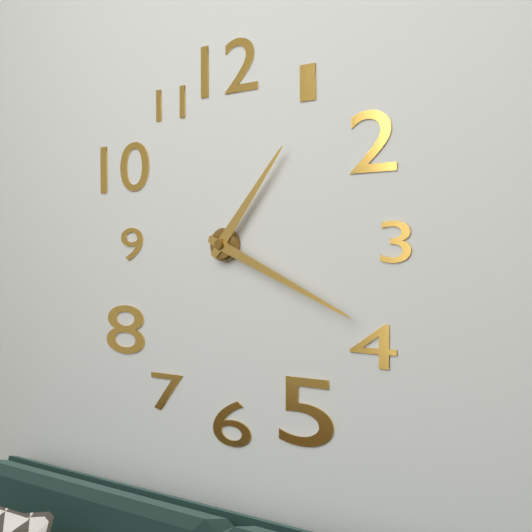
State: 1h19
